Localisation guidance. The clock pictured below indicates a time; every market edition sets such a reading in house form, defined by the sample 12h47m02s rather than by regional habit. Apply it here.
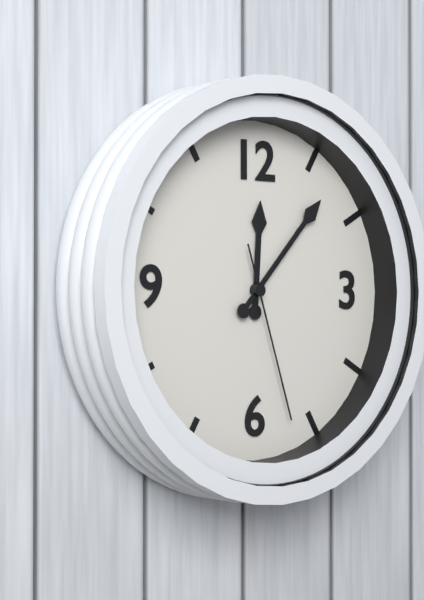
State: 12h07m27s
